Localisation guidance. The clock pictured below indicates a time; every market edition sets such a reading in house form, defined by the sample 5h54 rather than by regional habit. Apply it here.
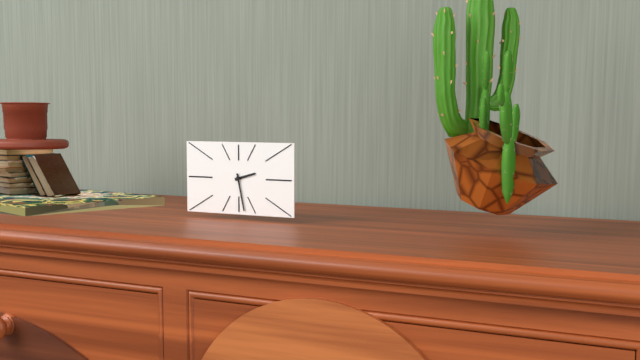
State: 2h28
